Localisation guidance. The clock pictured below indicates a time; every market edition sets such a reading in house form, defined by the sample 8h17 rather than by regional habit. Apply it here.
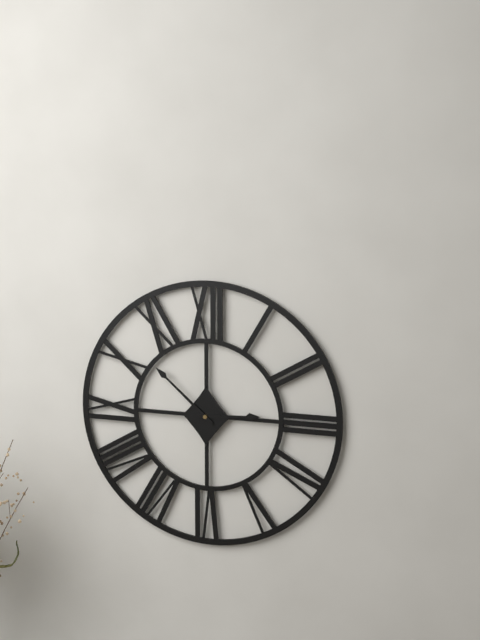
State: 2h52
